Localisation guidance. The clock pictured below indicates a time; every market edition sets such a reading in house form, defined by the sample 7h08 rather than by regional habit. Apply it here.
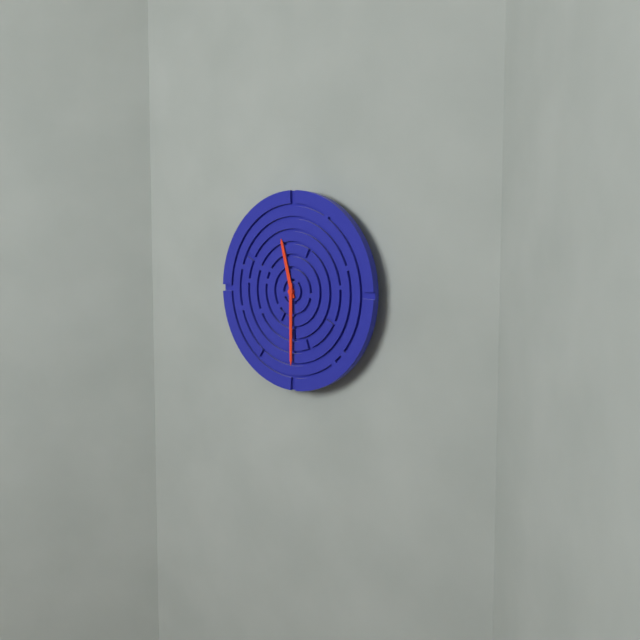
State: 11h30
